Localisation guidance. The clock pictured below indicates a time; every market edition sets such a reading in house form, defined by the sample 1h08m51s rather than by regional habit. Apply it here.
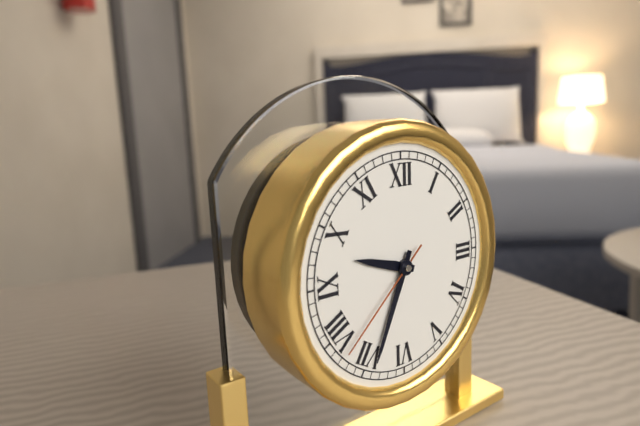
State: 9h34m38s
